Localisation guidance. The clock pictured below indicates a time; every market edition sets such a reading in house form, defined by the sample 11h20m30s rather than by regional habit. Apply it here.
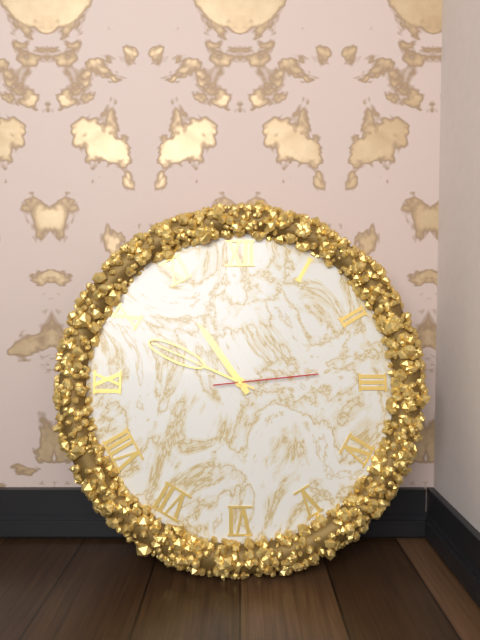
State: 10h49m14s
